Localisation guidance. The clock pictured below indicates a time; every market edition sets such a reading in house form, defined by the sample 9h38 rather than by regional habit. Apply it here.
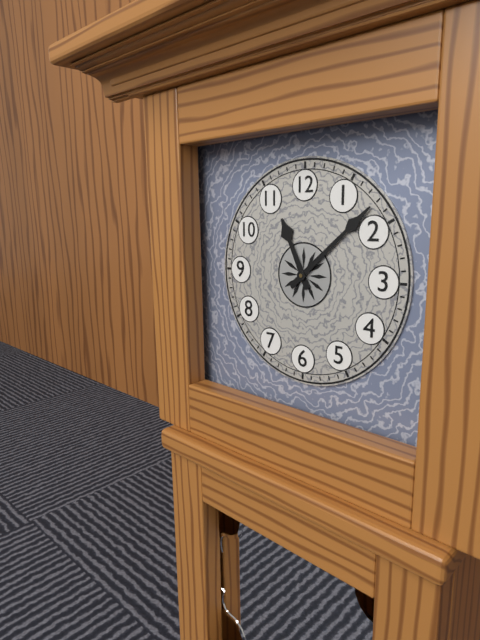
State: 11h08
